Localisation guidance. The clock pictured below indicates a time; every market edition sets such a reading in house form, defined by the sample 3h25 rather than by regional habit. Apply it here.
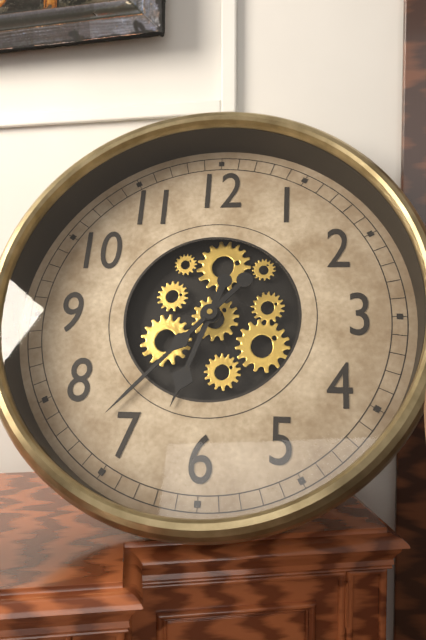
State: 6h37
